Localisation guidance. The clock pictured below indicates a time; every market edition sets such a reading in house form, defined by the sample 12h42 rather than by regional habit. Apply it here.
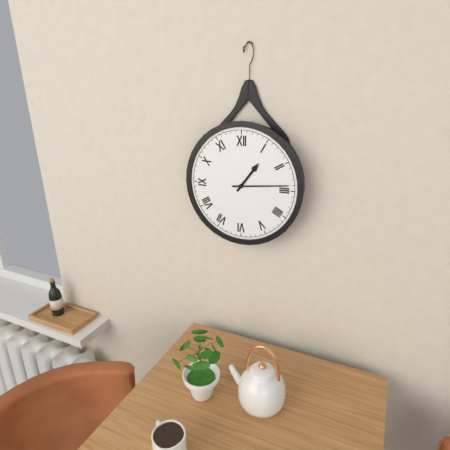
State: 1h14
